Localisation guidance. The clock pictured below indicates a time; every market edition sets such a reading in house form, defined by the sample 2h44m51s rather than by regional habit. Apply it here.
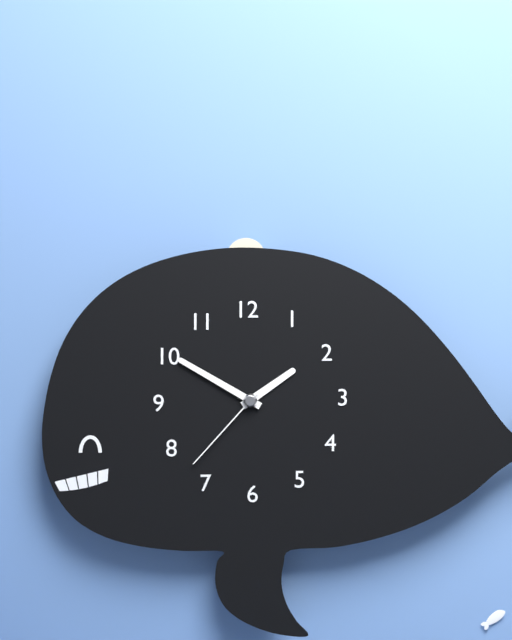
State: 1h50m37s
